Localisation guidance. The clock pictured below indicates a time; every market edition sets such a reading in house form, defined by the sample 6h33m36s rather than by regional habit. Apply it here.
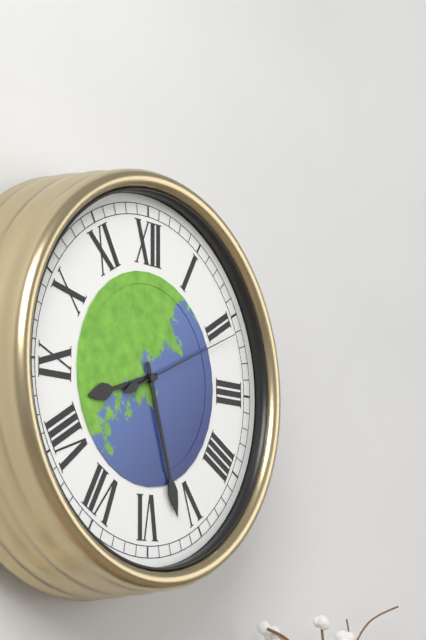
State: 8h27m11s
